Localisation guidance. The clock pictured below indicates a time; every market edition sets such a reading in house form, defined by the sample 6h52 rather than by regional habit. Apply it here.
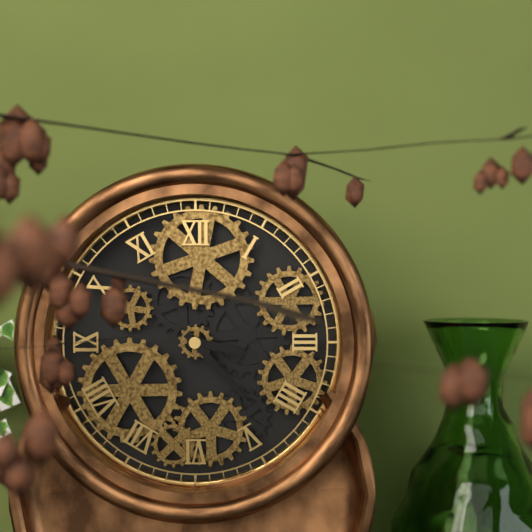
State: 3h23
